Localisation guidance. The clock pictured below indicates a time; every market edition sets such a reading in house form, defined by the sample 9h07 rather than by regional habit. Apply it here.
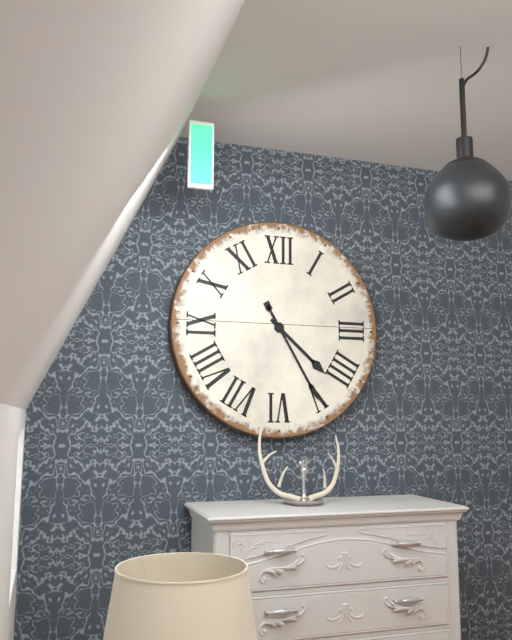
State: 4h25
